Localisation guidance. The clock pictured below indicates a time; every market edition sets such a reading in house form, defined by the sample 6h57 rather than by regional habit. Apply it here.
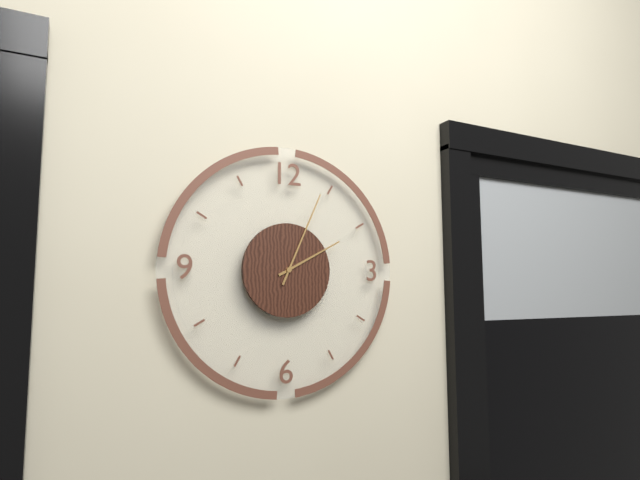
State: 2h04
